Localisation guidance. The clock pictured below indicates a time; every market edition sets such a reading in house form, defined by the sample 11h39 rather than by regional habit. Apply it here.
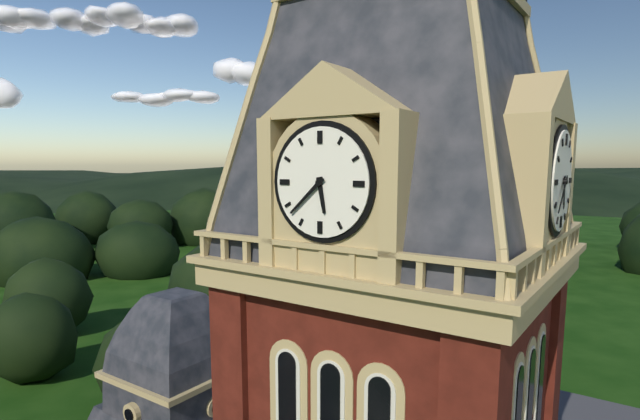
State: 5h38
